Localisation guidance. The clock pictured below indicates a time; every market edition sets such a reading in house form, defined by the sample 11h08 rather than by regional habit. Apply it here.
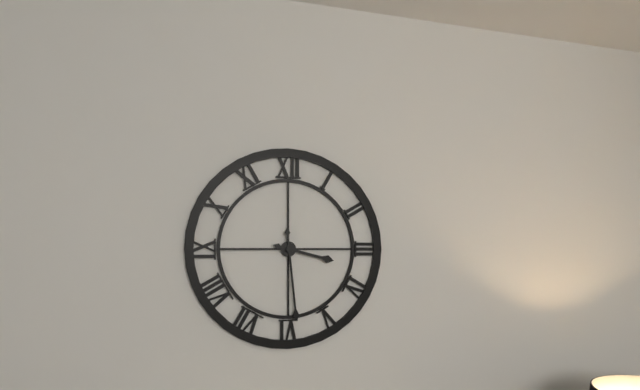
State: 3h29
